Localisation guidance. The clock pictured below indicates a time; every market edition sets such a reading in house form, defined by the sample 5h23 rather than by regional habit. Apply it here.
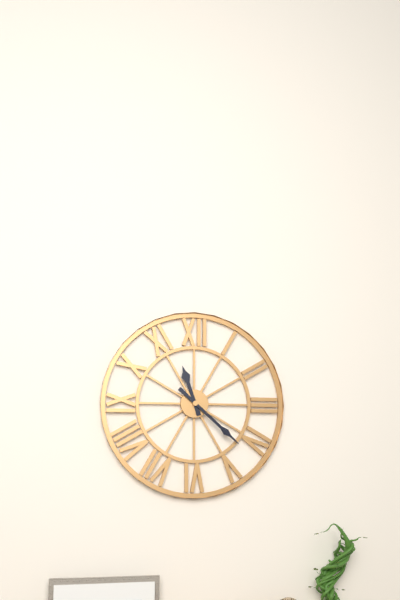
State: 11h22
